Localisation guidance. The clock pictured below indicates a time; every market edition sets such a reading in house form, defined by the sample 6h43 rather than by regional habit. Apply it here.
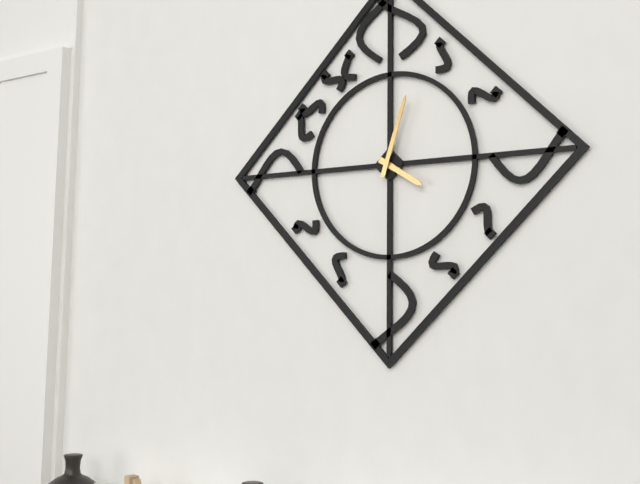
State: 4h03
